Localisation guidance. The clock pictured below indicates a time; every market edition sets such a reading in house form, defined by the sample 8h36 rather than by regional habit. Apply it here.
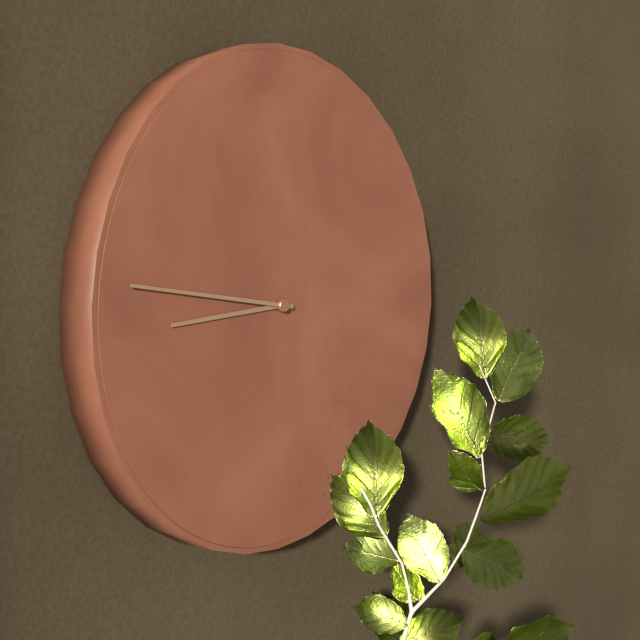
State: 8h46
